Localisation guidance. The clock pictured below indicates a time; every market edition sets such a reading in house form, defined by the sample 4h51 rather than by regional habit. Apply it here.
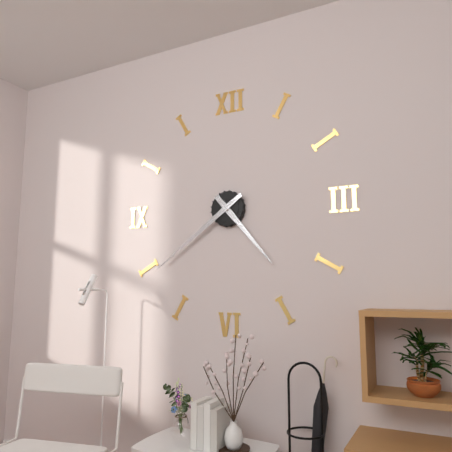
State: 4h39
